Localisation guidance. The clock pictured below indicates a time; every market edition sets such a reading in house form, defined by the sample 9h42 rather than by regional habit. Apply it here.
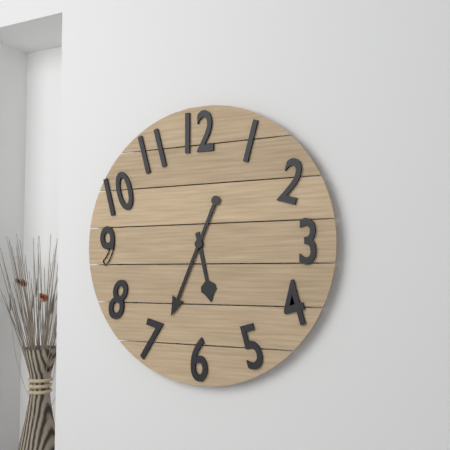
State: 5h34
